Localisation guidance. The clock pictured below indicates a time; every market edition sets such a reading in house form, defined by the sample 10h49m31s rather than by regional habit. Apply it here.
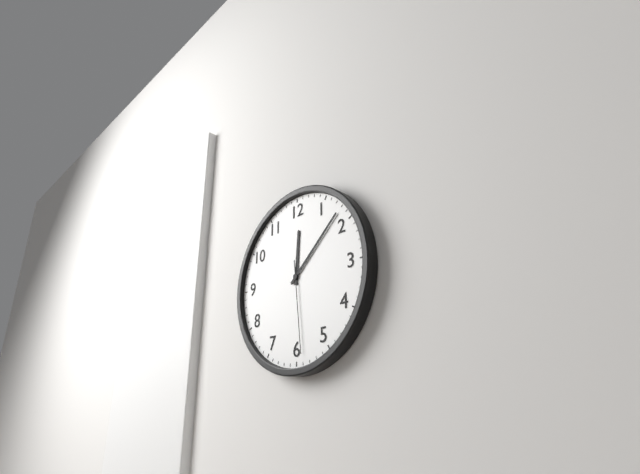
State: 12h08m29s
